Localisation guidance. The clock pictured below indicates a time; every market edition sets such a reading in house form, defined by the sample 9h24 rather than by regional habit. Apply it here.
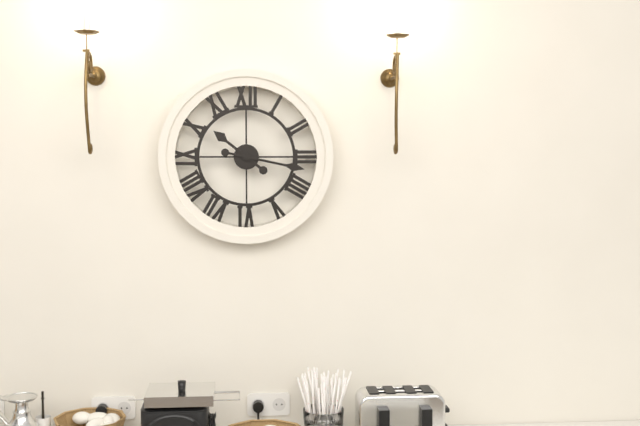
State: 10h17
